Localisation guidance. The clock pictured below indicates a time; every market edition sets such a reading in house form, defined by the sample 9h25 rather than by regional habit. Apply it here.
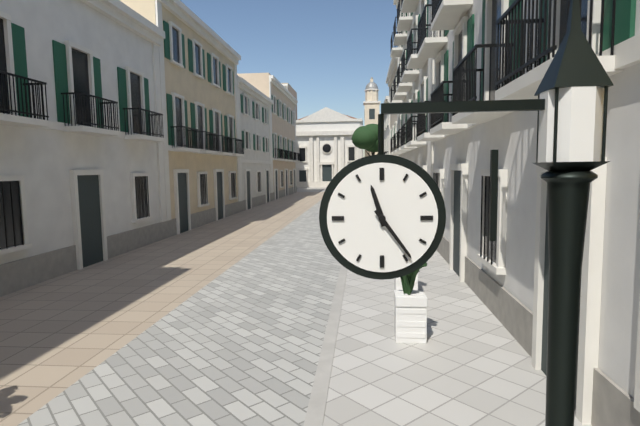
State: 11h24
